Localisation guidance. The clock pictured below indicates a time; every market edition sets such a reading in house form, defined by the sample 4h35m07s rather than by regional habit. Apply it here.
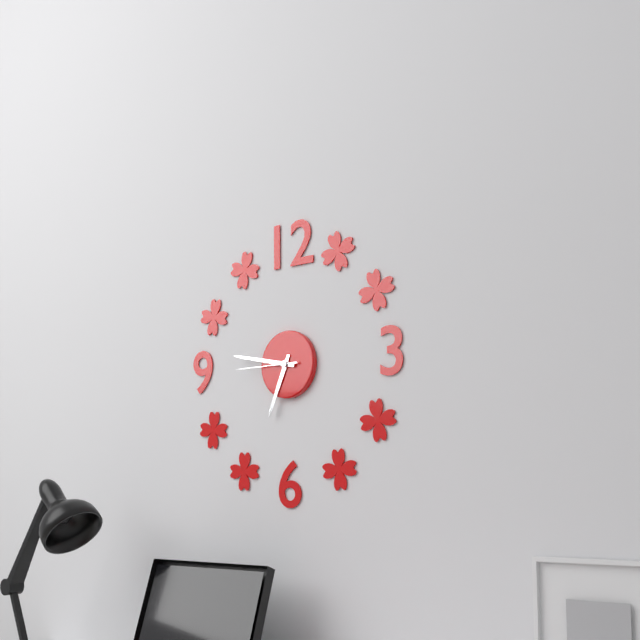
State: 6h47m45s
